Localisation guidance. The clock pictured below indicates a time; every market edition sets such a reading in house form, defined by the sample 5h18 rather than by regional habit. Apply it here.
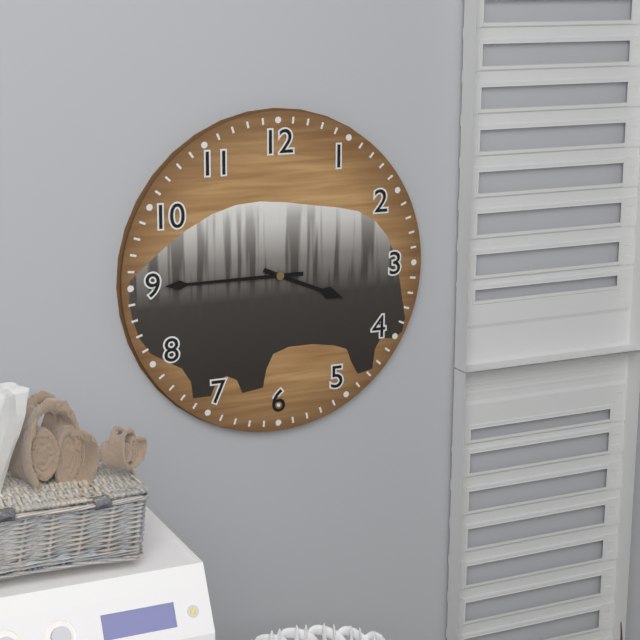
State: 3h45
